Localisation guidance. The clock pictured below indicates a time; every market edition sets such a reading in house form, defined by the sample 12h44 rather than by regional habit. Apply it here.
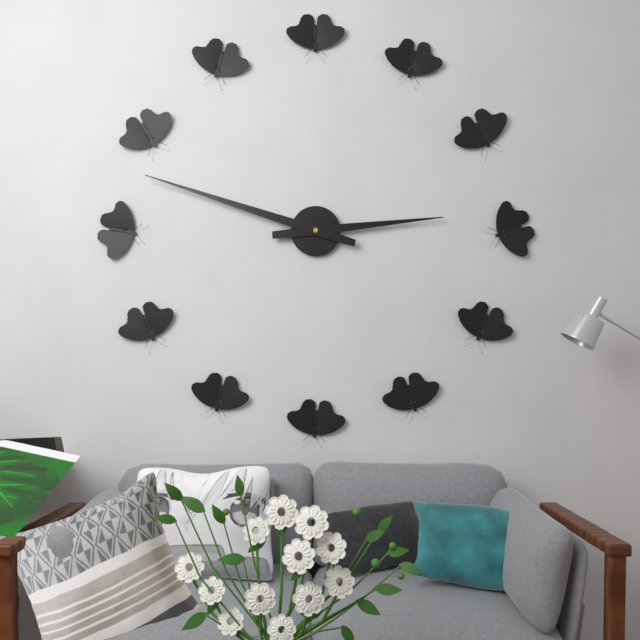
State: 2h48
